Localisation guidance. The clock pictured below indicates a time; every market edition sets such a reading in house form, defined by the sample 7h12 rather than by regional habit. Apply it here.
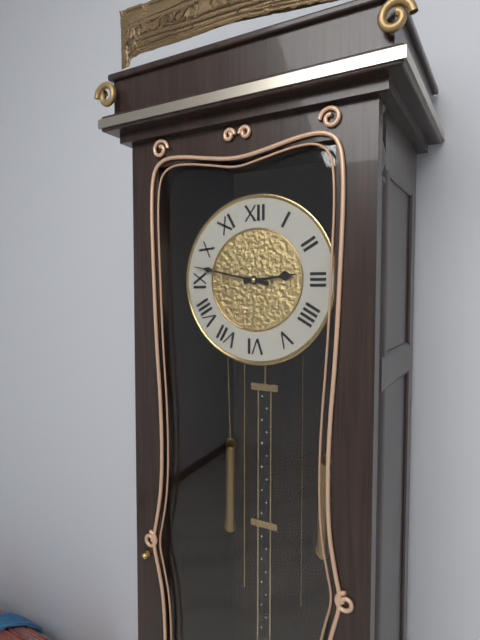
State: 2h47
